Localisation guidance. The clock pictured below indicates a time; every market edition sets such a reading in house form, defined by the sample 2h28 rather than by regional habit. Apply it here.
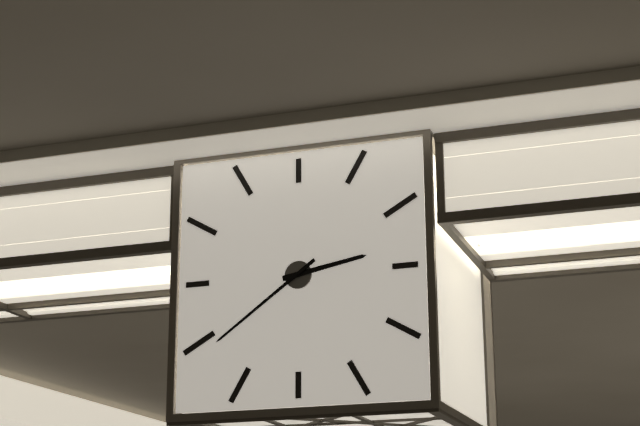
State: 2h39
